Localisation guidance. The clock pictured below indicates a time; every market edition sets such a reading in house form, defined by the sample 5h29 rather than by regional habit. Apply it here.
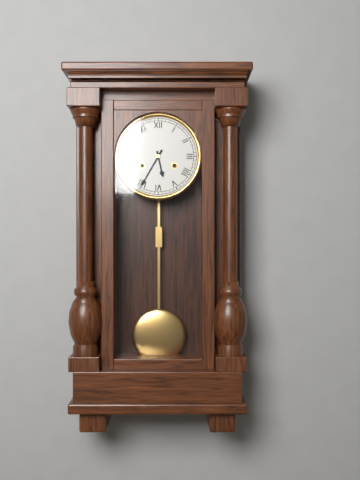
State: 5h35
